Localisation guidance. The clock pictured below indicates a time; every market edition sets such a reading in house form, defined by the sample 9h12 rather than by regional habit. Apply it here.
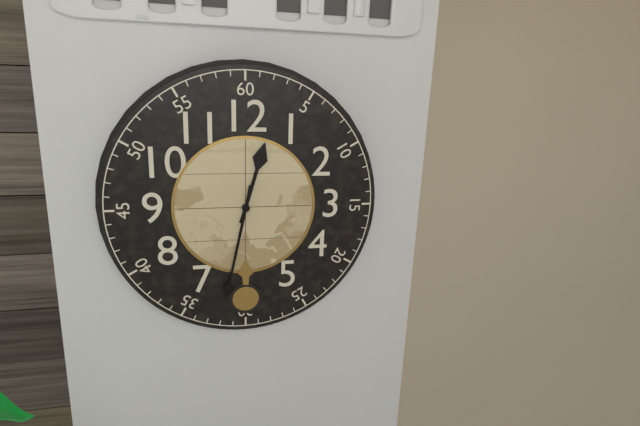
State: 12h32
